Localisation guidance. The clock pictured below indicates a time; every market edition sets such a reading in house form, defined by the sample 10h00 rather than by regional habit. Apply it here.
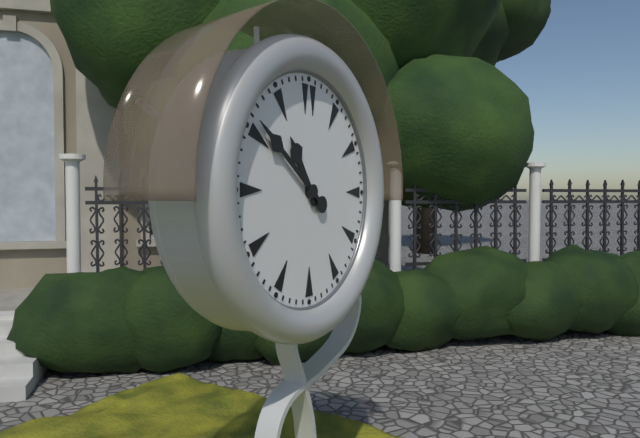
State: 10h51
